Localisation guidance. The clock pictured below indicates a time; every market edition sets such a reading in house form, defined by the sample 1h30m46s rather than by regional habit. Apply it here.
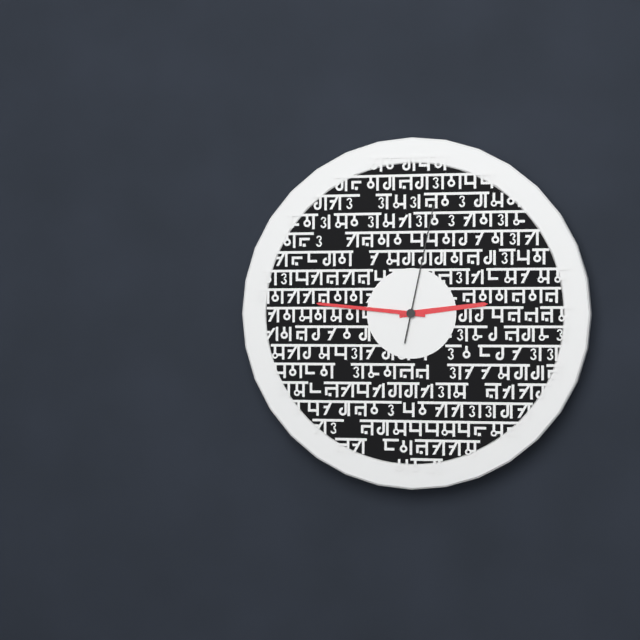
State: 2h46m02s
